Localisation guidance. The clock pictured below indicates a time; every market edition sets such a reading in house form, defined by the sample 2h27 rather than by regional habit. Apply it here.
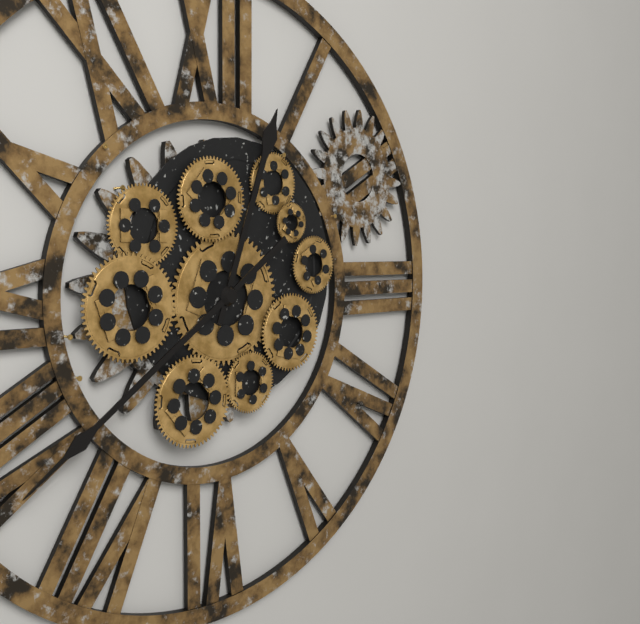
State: 12h39
